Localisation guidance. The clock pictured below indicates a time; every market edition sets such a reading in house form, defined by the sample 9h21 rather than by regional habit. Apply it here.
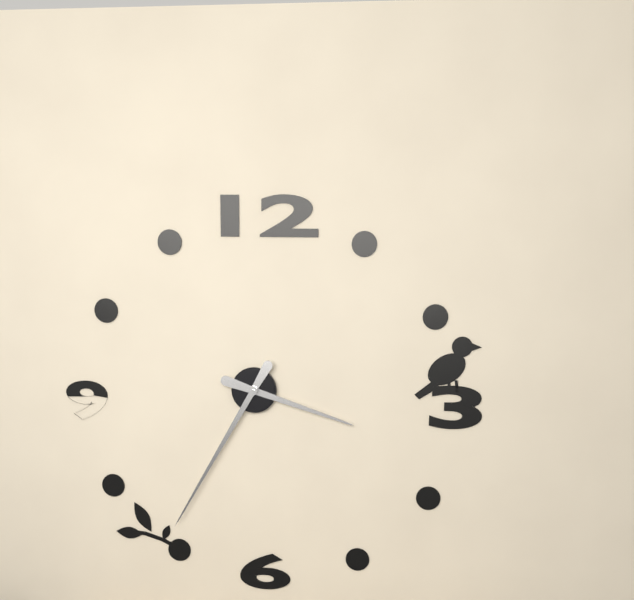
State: 3h35
